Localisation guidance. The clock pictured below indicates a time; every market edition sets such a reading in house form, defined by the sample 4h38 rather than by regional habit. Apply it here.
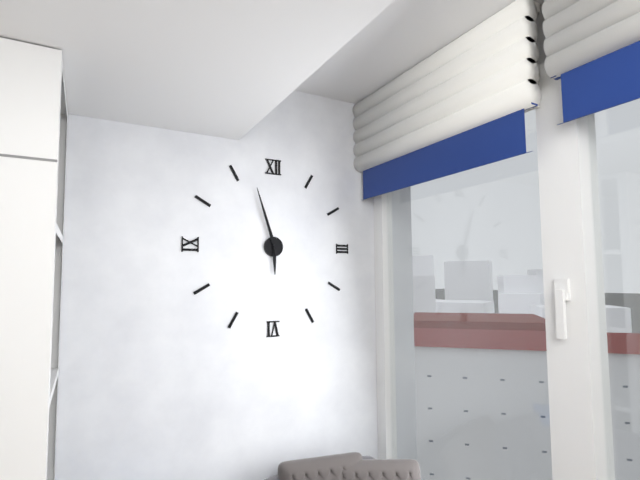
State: 5h57
